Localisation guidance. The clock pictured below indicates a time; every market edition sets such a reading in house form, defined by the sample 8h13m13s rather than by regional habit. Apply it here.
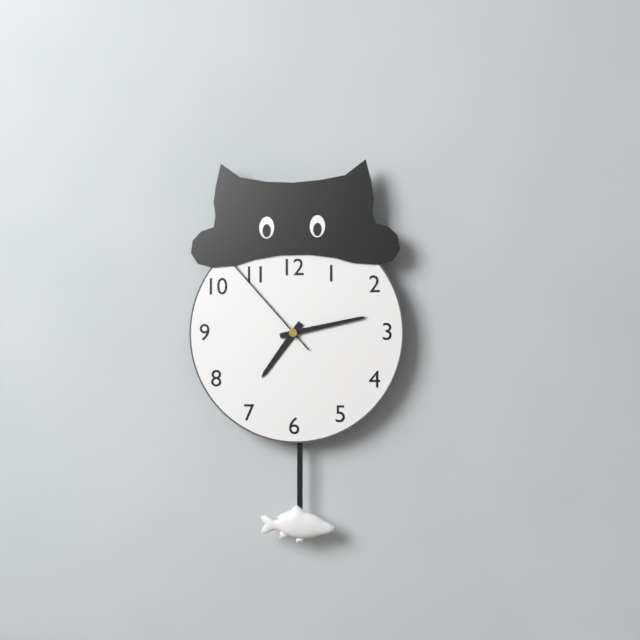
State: 7h13m53s
